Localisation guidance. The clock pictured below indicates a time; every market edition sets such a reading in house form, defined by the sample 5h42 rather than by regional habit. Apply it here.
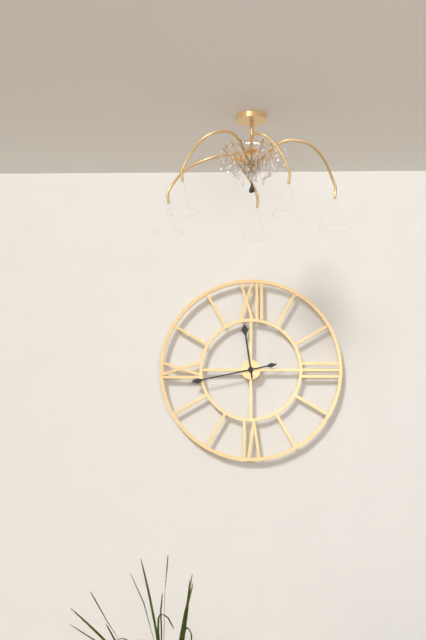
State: 11h43
